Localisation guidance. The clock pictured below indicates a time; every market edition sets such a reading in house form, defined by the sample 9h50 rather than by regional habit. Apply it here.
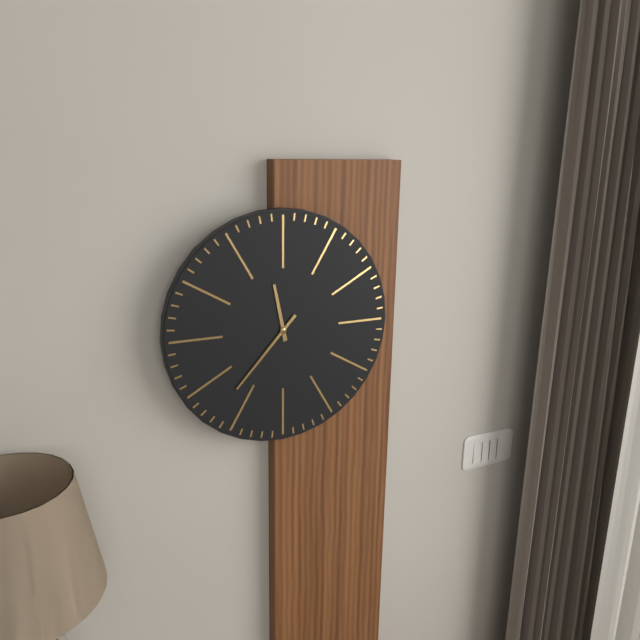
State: 11h37
